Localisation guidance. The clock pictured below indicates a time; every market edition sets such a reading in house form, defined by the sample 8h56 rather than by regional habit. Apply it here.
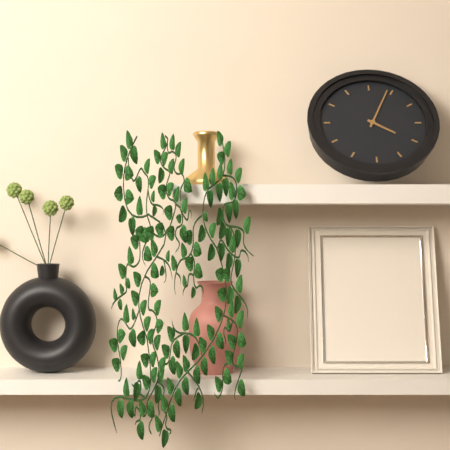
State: 4h04
